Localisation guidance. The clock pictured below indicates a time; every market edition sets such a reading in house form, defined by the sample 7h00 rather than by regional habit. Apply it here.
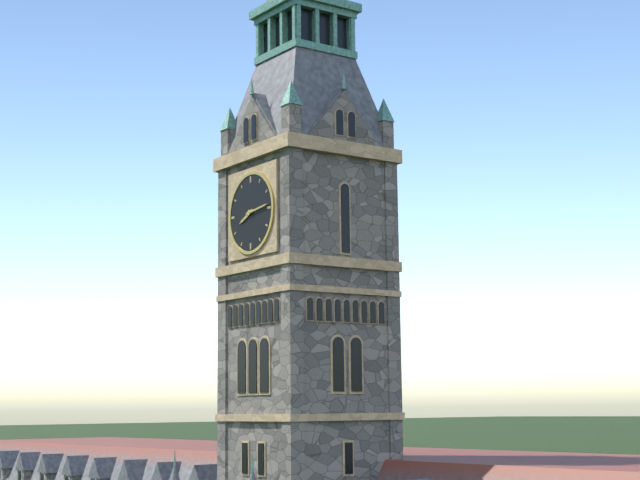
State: 8h14
